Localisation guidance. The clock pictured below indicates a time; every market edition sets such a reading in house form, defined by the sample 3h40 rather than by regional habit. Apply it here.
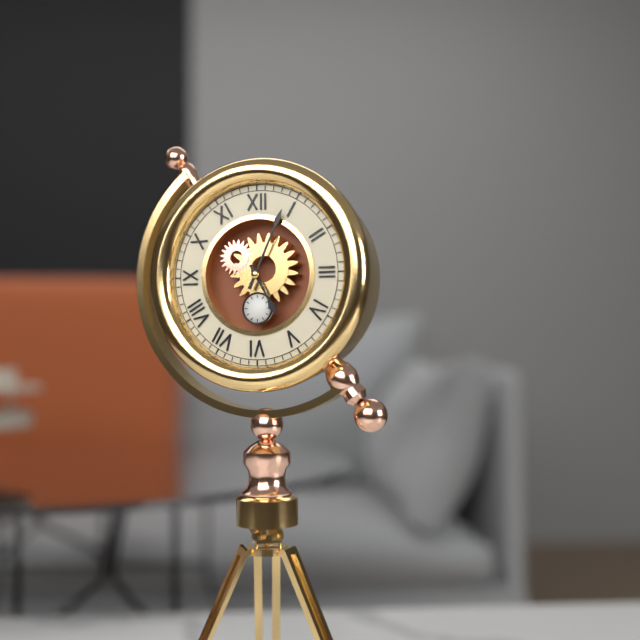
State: 5h04
